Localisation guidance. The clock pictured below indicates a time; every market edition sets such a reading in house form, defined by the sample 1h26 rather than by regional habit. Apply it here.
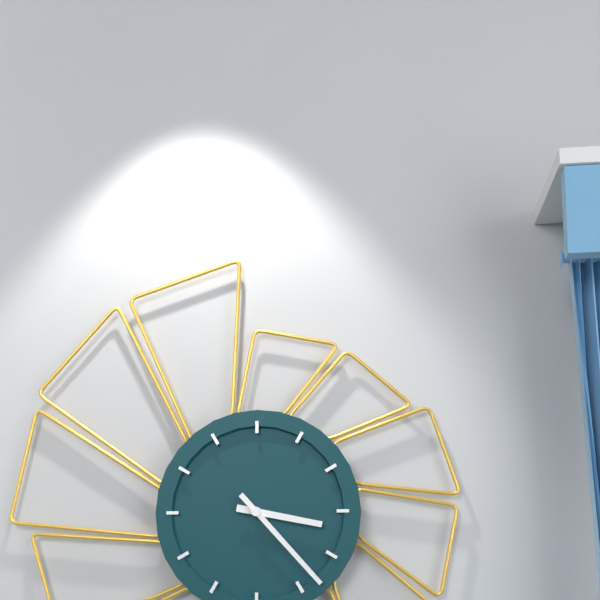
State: 3h23
